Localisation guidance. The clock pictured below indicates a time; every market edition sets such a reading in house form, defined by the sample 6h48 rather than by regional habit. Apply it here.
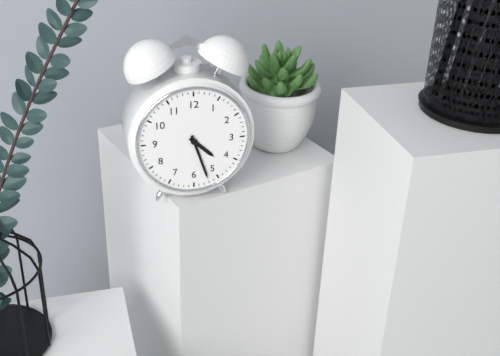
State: 4h27
